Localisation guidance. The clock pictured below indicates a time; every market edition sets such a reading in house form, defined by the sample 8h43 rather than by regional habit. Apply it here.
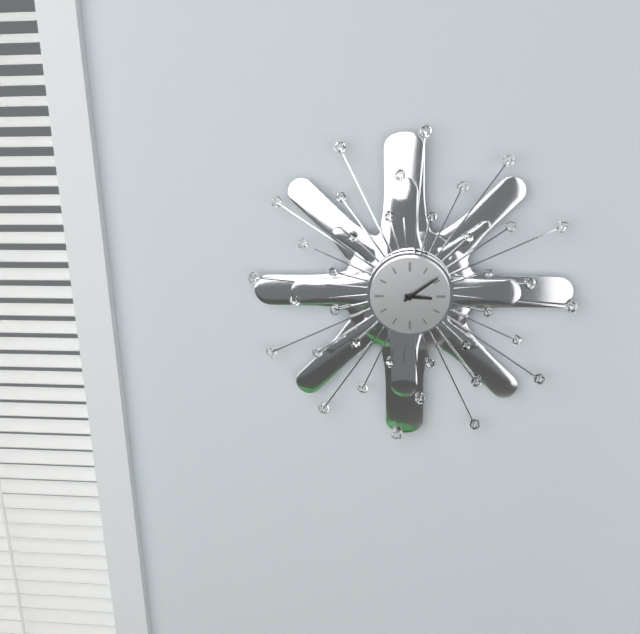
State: 3h09
